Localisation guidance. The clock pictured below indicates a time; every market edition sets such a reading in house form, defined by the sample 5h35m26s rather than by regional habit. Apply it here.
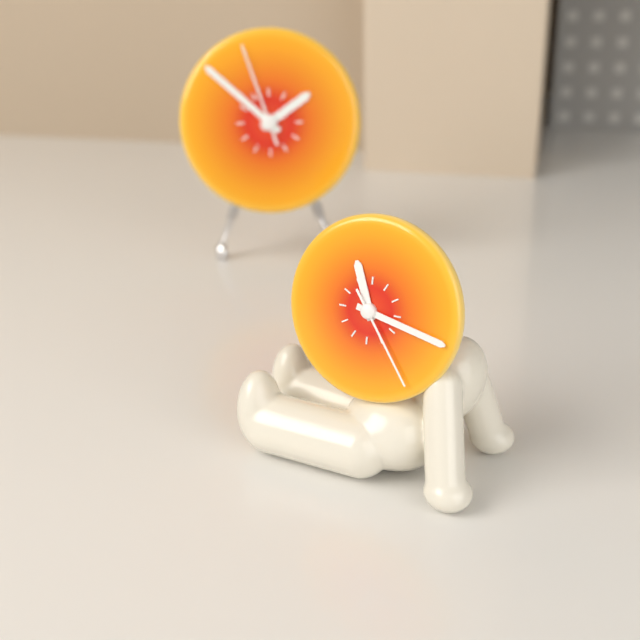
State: 11h17m24s
